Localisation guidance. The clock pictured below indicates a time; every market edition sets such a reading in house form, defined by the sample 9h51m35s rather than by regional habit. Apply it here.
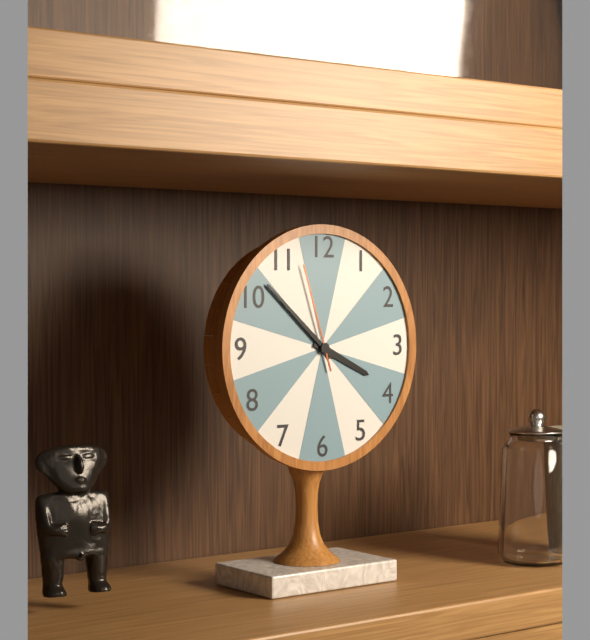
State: 3h52m57s
